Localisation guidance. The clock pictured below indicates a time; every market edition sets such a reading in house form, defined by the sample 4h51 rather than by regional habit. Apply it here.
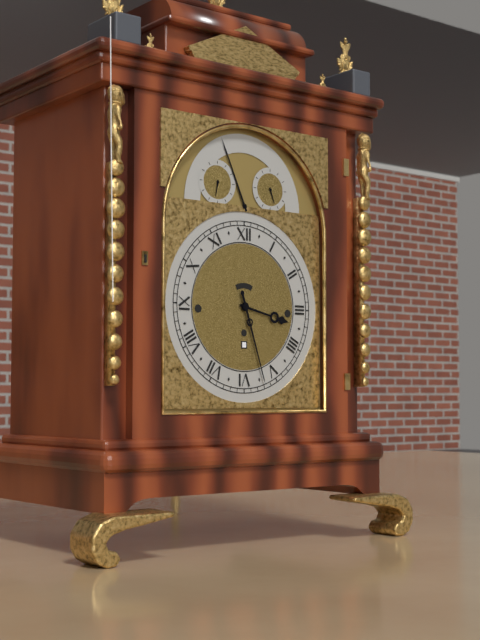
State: 3h27
